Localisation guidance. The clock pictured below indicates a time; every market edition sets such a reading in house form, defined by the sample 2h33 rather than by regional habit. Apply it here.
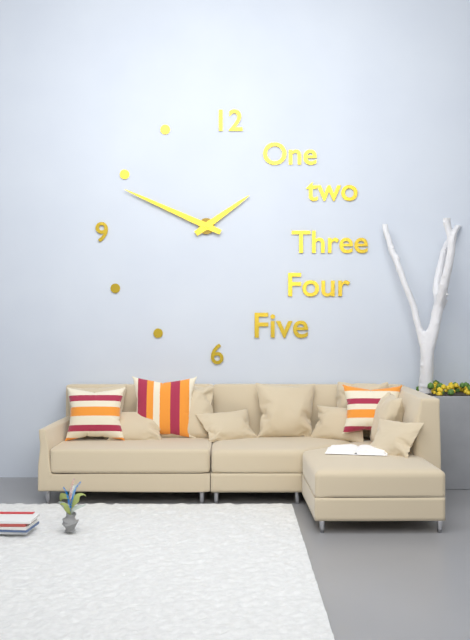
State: 1h49
